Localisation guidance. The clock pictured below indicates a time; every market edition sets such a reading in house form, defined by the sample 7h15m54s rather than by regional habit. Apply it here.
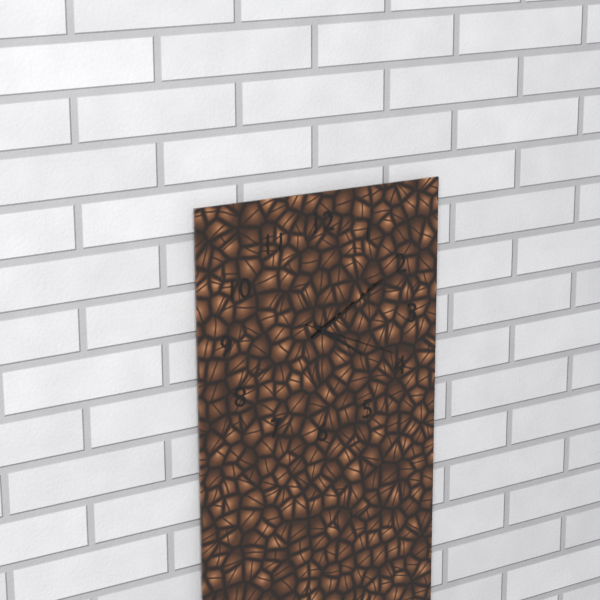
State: 4h10m19s
